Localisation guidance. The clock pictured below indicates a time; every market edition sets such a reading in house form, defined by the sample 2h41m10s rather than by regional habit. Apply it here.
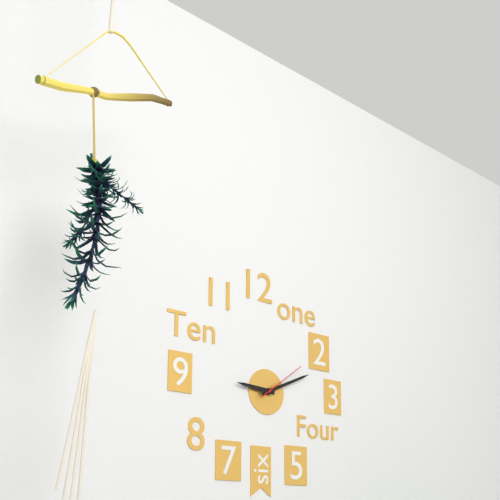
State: 9h11m09s
